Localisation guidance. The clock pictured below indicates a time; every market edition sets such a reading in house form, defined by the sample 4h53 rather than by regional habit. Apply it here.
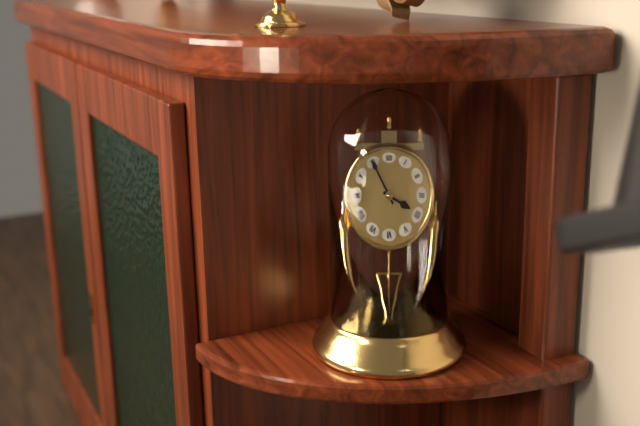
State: 3h55
